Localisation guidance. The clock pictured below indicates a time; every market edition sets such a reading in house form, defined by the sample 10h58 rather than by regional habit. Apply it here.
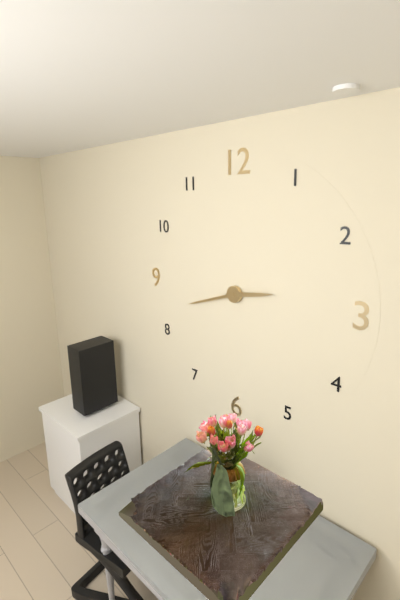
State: 2h42
